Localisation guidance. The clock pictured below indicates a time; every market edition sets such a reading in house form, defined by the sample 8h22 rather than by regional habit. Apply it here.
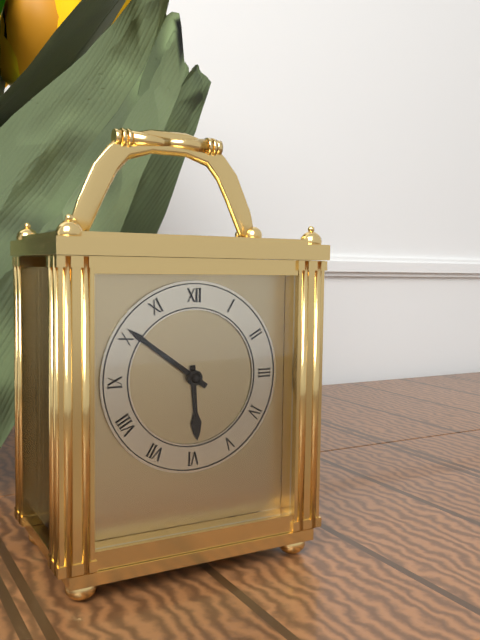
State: 5h51
